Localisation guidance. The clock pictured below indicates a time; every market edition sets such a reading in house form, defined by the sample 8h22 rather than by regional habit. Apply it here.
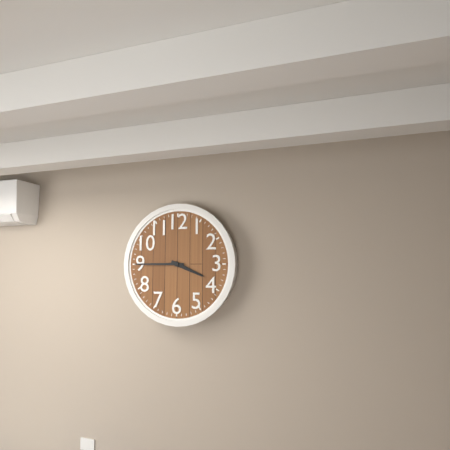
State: 3h45
